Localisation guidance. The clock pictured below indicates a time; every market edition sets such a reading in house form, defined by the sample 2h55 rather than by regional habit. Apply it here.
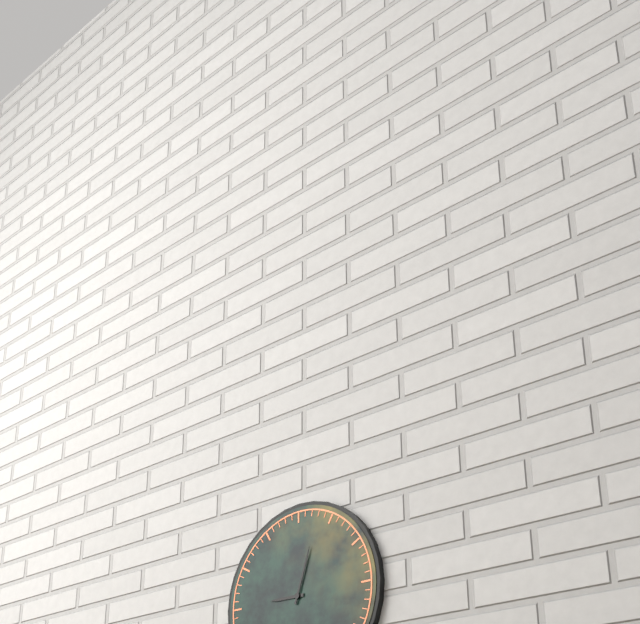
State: 9h03
